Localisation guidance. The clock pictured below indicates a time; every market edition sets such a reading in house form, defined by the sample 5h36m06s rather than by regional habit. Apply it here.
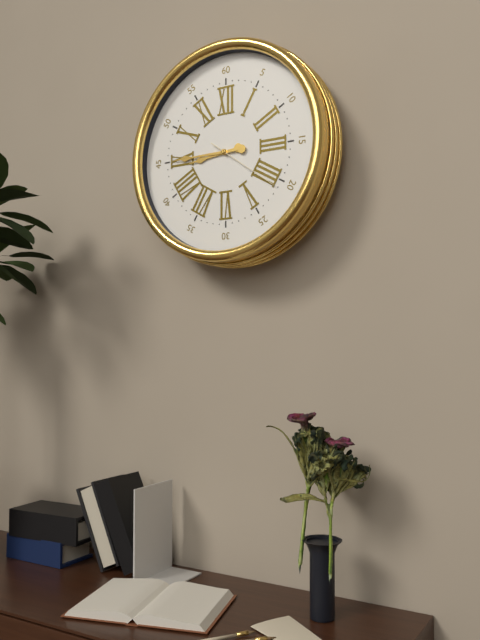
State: 8h45m21s
